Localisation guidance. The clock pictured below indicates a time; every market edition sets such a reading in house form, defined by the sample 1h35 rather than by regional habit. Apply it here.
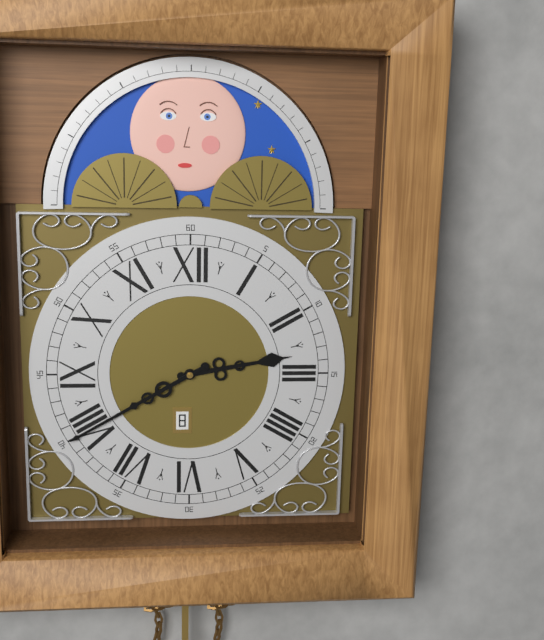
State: 2h40
